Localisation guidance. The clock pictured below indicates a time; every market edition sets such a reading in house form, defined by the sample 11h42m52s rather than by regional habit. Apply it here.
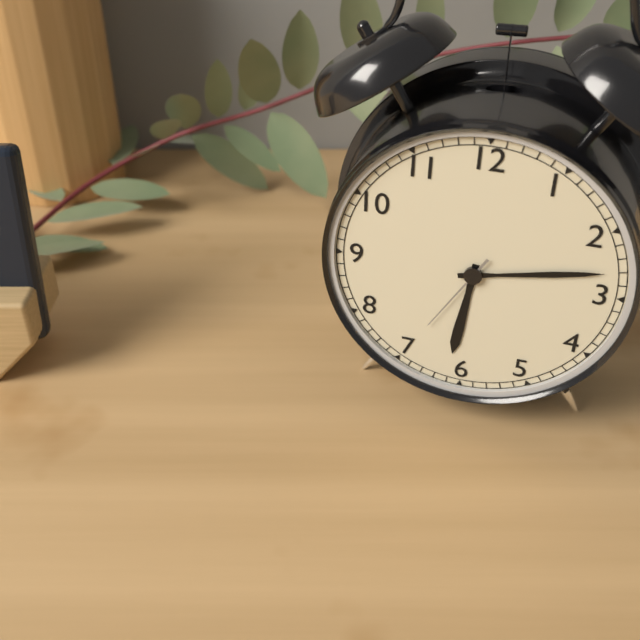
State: 6h13m35s
